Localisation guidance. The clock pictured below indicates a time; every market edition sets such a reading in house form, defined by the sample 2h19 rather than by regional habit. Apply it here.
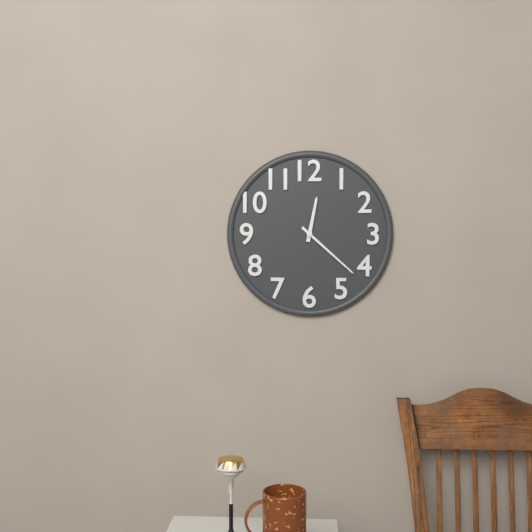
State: 12h22
